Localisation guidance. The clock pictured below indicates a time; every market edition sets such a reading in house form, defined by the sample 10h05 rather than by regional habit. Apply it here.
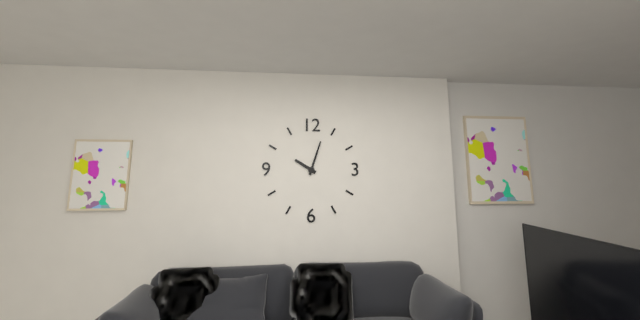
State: 10h03
